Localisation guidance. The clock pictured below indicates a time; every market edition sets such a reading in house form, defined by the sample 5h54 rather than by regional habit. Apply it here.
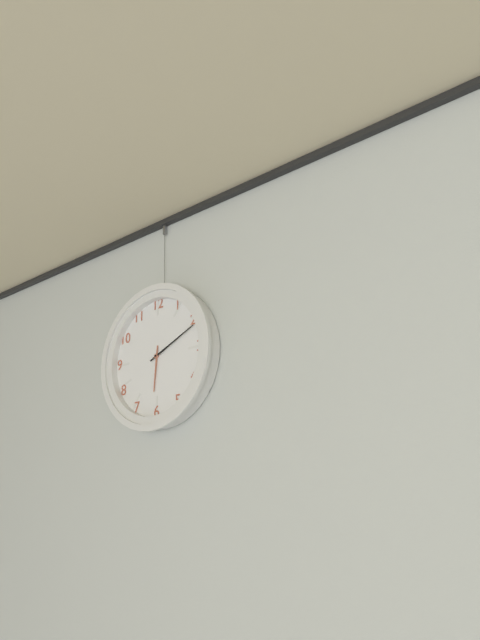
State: 6h11
